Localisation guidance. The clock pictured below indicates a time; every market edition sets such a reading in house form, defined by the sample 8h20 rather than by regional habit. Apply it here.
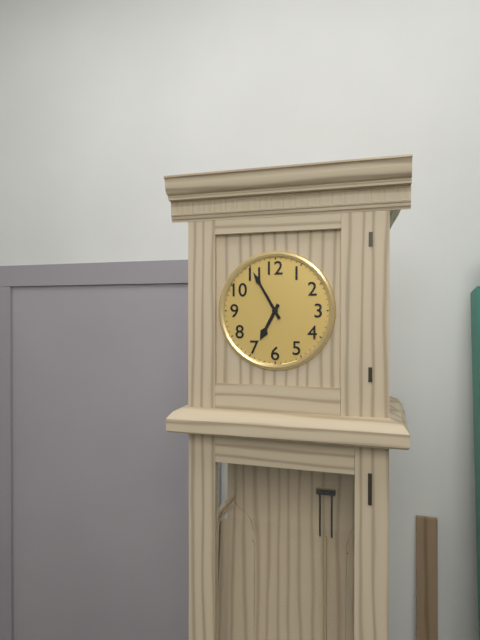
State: 6h55
